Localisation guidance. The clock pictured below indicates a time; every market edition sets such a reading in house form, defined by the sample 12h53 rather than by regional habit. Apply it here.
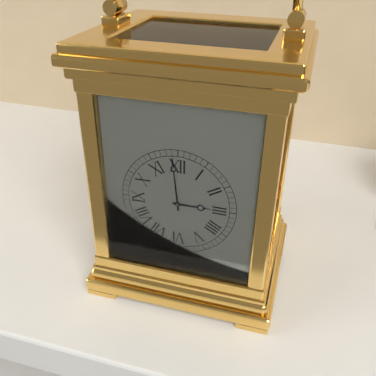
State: 2h59
